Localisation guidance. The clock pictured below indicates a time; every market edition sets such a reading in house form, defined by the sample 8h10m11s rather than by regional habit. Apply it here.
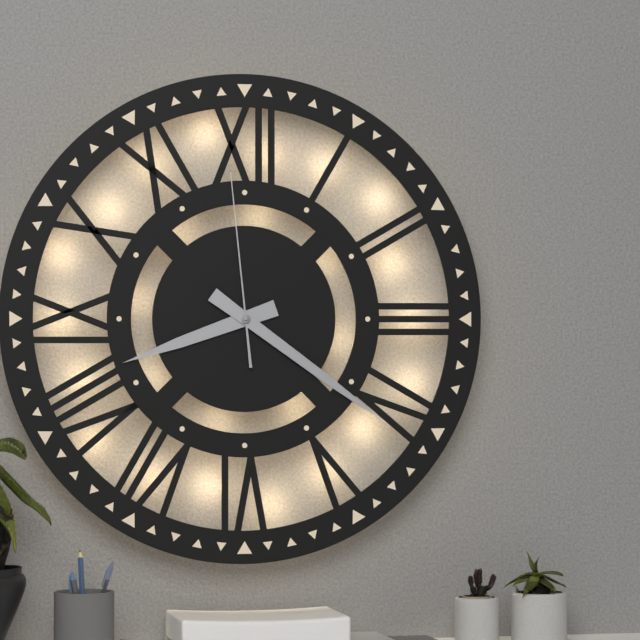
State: 8h21m59s
